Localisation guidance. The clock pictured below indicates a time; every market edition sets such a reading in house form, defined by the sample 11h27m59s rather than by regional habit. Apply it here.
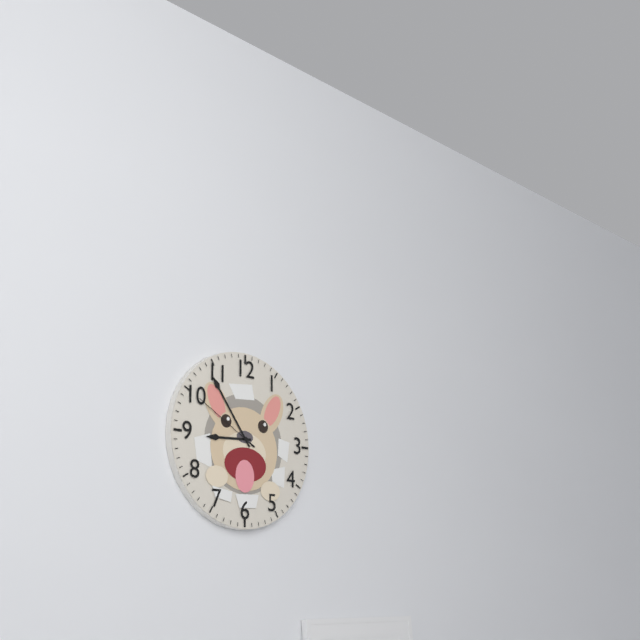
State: 8h54m50s
